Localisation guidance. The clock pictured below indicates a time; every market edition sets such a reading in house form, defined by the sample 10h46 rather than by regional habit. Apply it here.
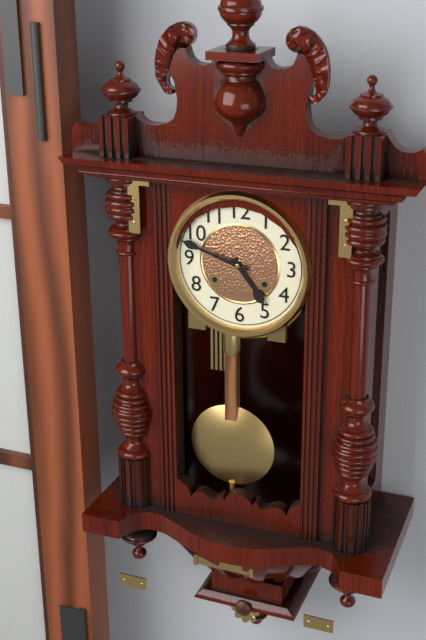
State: 4h48
